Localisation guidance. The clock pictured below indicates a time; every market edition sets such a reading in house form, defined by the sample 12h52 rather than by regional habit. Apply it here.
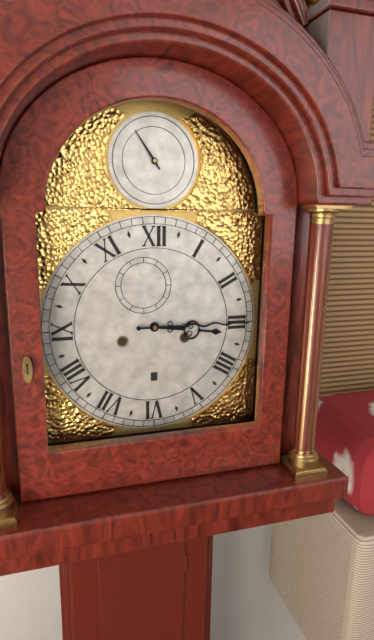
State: 3h15
